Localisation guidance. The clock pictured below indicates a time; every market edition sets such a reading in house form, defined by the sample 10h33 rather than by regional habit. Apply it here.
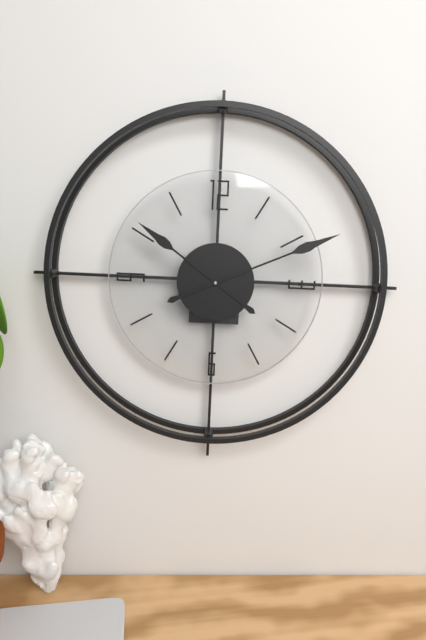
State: 10h11
